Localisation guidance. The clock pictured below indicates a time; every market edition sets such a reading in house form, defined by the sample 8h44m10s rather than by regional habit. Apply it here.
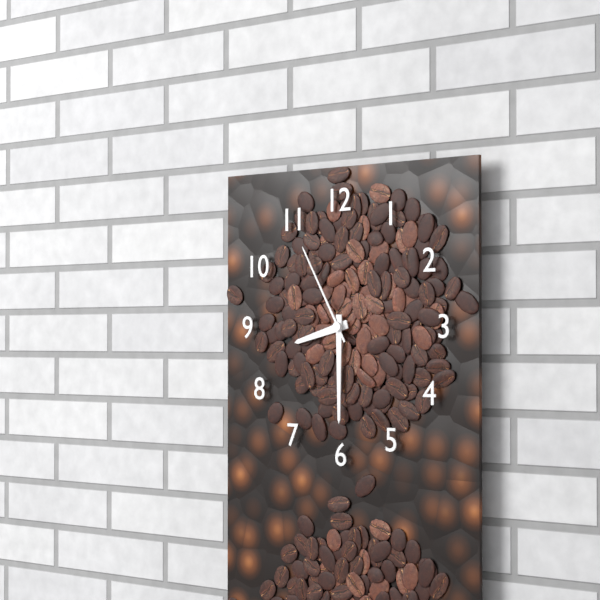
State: 8h30m55s
